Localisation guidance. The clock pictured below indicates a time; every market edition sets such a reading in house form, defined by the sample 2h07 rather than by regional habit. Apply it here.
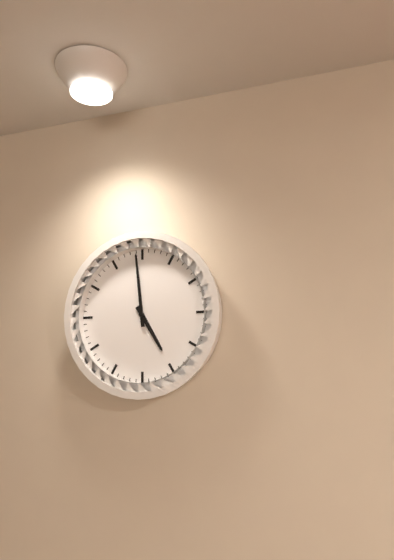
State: 4h59
